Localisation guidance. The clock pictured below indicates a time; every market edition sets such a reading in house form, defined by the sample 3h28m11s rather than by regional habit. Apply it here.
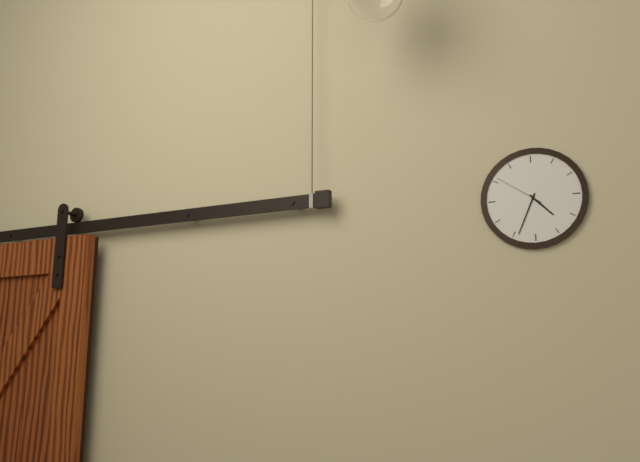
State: 4h34m51s
